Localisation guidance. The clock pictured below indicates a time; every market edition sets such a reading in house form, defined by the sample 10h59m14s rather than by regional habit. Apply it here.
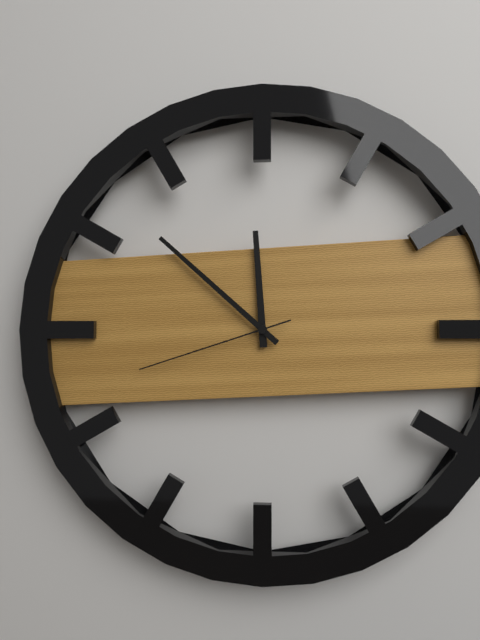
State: 11h52m42s
